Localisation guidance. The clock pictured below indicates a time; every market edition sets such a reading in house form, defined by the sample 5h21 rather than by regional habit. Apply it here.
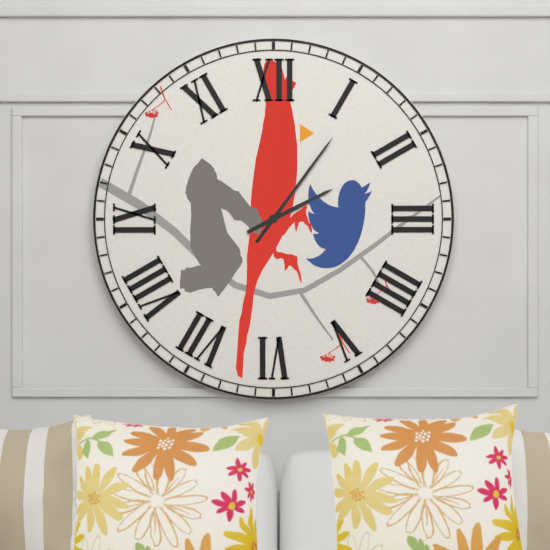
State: 2h06
